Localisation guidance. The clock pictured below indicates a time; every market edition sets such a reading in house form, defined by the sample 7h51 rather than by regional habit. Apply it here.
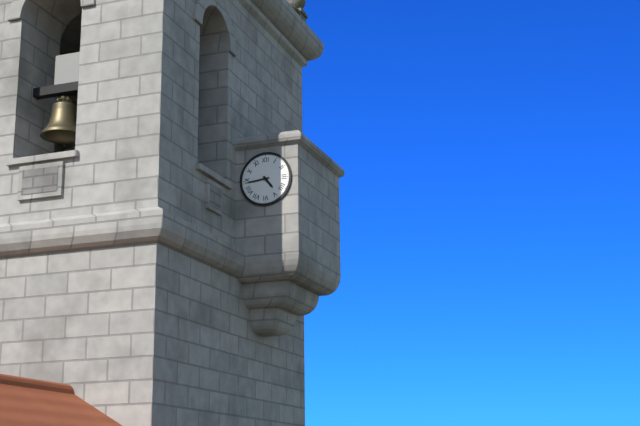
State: 4h44
